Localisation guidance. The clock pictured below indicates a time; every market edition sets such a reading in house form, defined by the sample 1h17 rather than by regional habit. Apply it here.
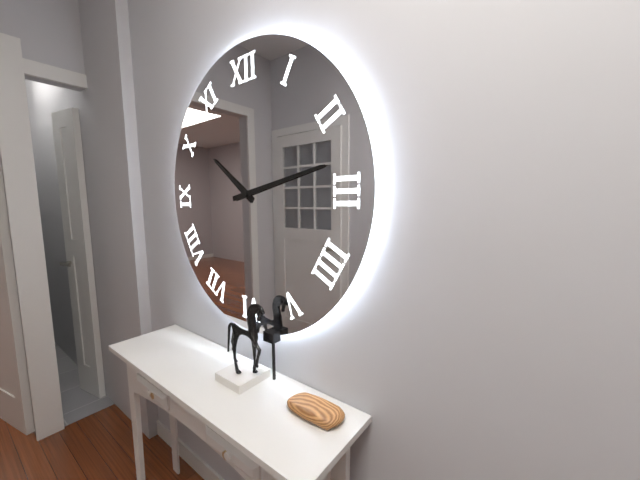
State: 10h13
